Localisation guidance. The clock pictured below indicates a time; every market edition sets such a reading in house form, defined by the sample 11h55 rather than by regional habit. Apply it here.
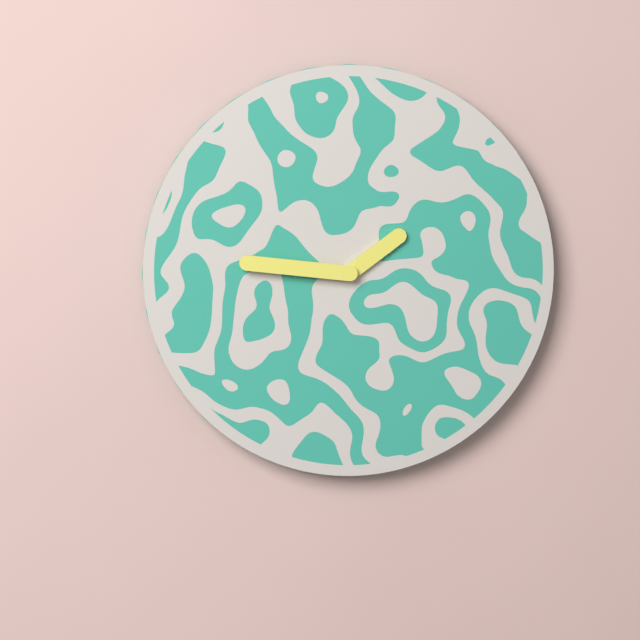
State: 1h46
